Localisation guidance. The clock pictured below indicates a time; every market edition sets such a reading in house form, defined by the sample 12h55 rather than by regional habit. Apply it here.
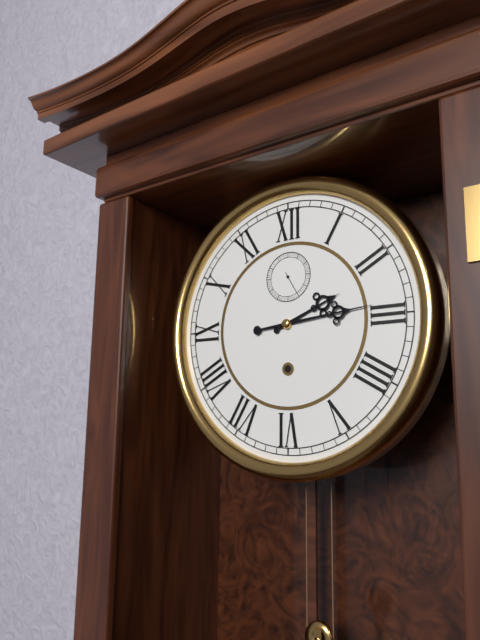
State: 2h14
